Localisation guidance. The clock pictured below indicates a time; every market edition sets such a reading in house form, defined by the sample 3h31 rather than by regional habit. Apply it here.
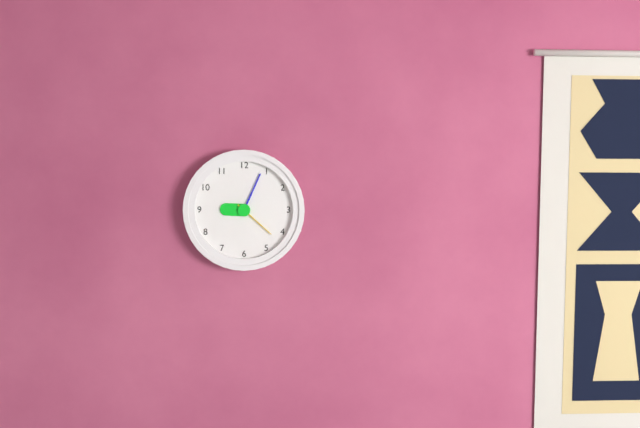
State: 9h04
